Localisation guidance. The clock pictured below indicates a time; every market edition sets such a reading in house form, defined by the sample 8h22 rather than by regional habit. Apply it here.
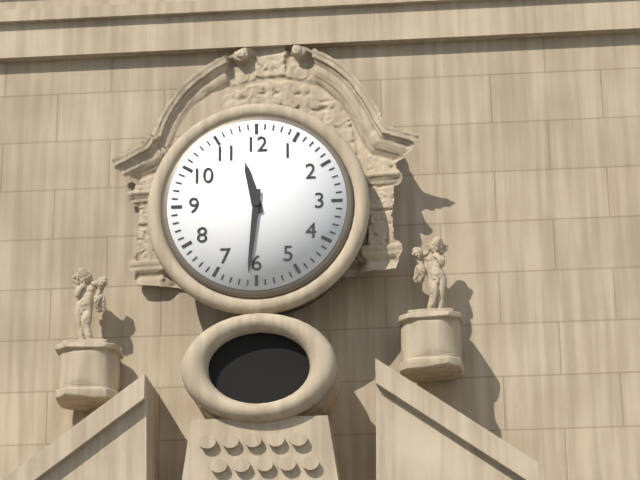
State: 11h31
